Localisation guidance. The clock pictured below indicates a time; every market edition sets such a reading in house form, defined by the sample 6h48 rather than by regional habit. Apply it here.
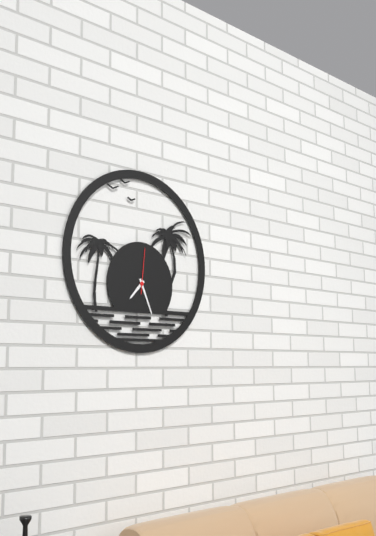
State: 7h26
